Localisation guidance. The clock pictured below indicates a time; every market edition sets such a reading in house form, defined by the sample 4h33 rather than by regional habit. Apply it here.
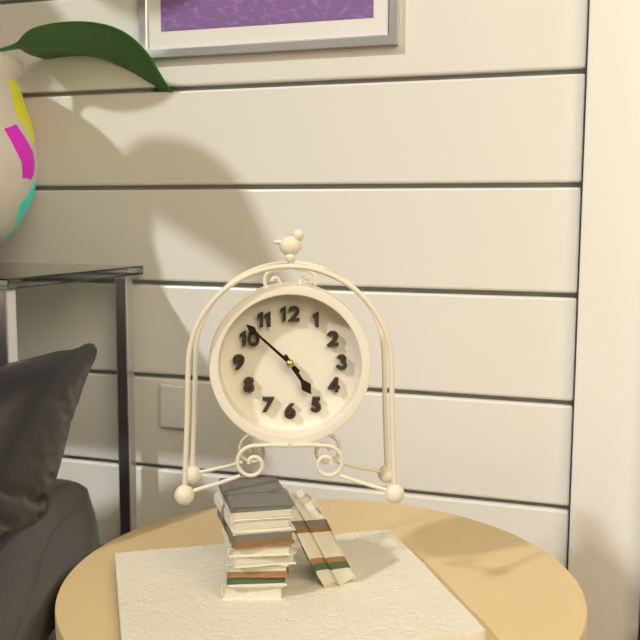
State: 4h52
